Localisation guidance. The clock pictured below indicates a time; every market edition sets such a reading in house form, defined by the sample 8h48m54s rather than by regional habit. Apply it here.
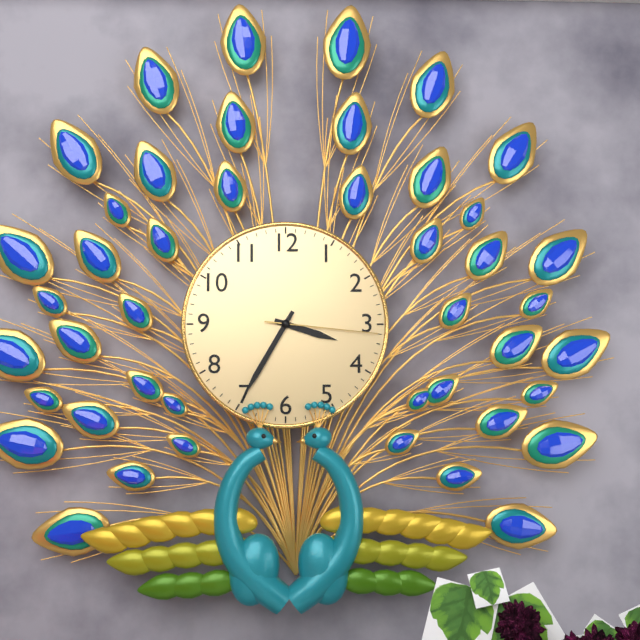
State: 3h35m16s
